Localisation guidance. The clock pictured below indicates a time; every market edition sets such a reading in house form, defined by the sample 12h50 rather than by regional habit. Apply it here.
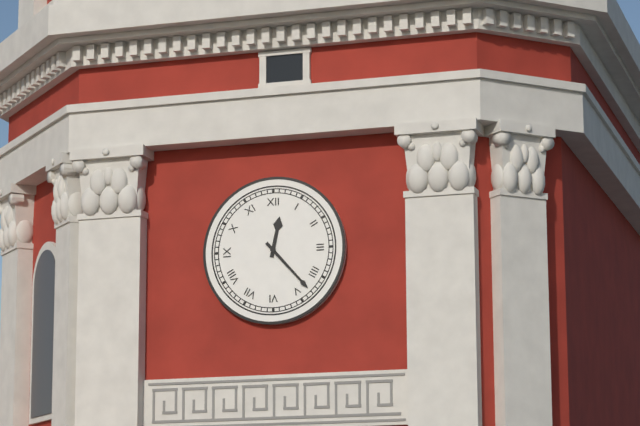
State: 12h23
